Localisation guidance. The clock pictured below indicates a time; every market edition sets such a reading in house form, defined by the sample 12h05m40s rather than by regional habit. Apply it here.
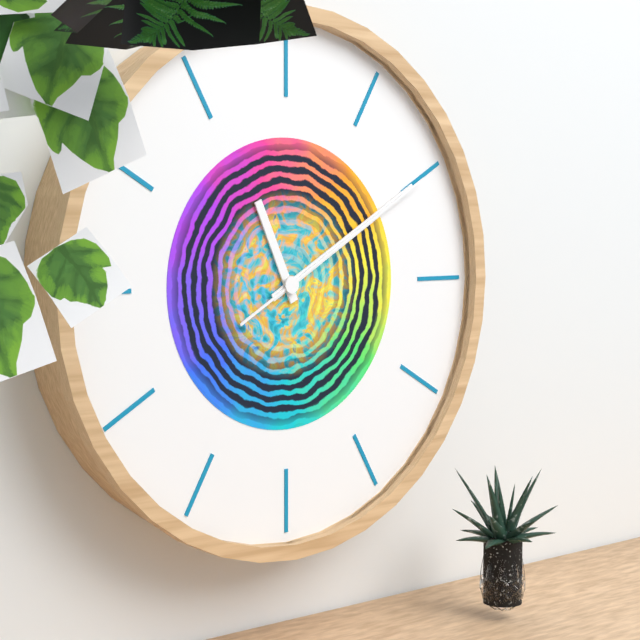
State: 11h10m10s
